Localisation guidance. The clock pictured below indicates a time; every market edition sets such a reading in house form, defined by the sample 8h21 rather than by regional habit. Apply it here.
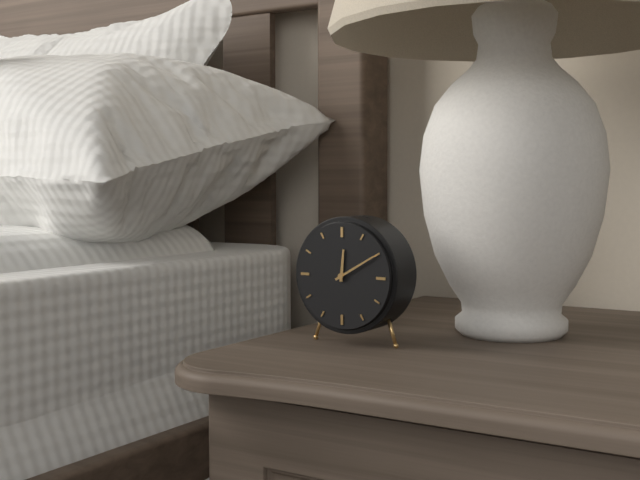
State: 12h10
